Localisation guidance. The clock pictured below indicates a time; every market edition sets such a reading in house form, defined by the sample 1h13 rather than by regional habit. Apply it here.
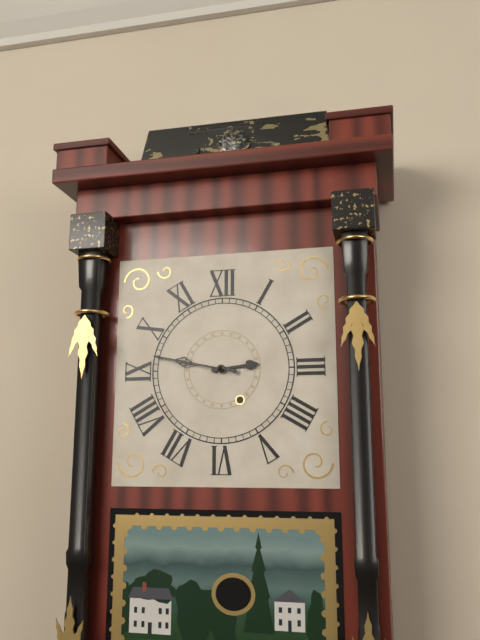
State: 2h47
